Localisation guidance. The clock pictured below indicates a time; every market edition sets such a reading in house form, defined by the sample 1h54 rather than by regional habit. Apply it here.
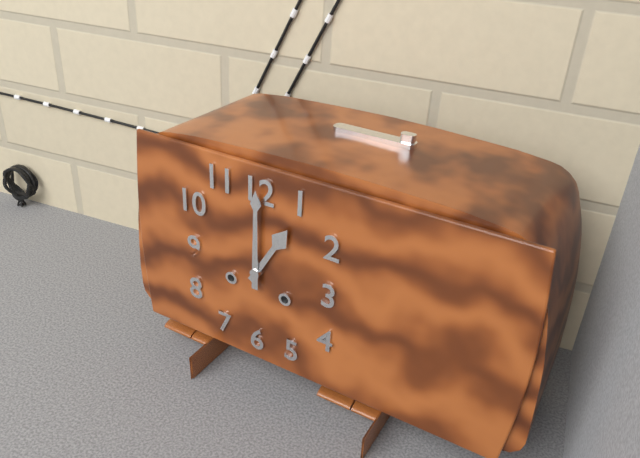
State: 1h00
